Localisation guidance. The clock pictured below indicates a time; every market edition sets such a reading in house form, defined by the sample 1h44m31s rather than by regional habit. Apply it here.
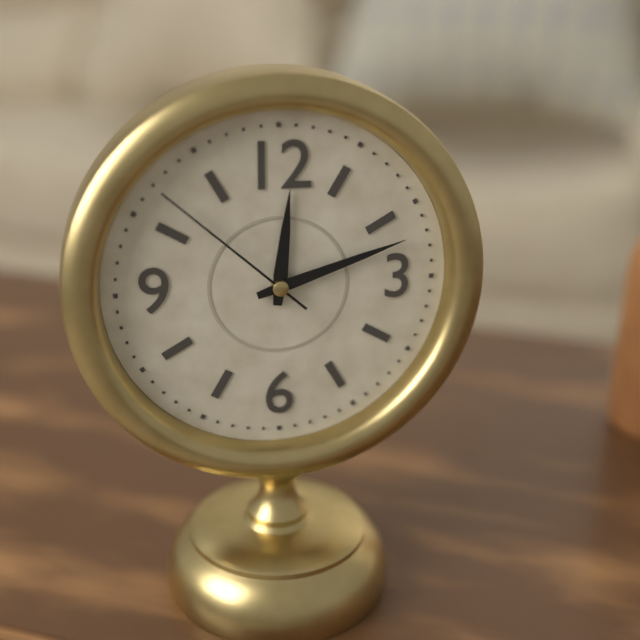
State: 12h12m52s
